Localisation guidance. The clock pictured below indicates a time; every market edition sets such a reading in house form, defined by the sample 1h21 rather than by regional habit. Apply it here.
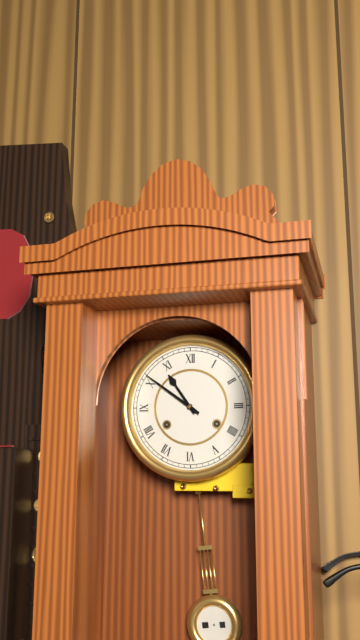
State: 10h51
